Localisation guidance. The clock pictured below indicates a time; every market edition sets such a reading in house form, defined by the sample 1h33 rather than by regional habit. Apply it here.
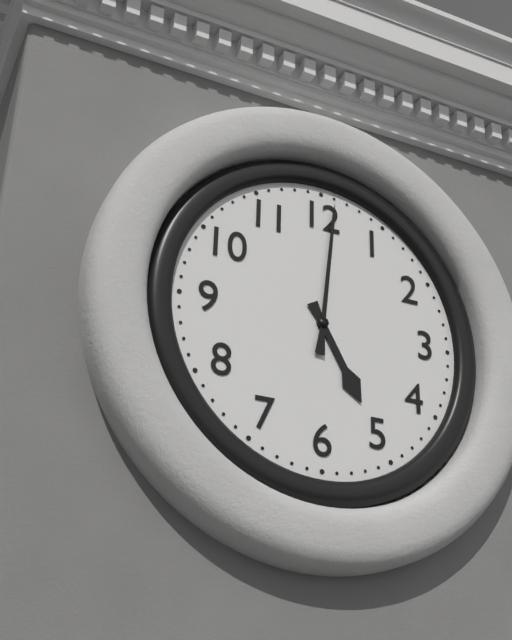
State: 5h01
